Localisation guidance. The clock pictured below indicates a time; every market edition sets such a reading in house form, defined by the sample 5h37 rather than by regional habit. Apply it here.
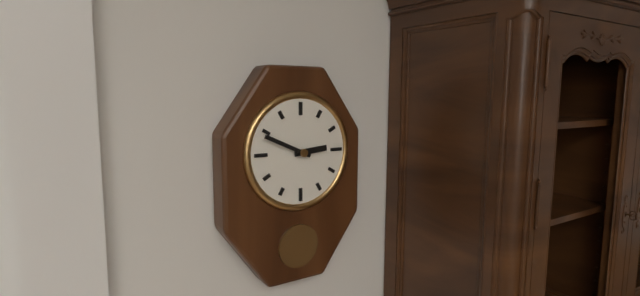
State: 2h49
